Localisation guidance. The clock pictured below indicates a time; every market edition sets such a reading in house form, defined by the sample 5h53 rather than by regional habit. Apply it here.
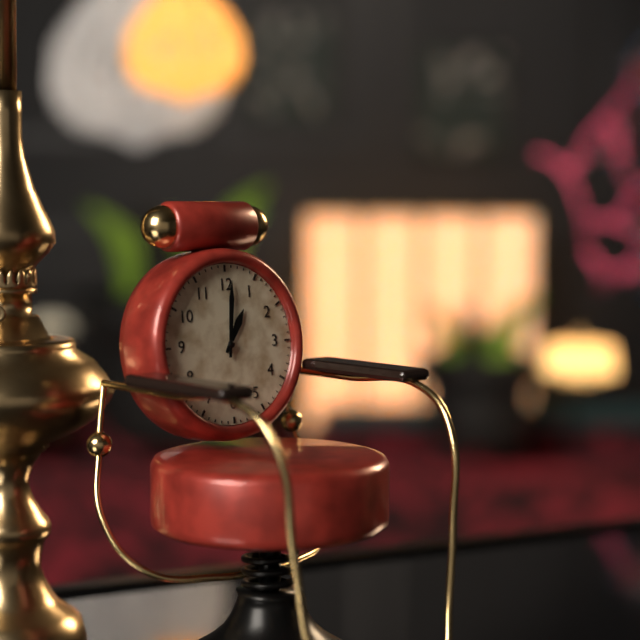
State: 1h01
